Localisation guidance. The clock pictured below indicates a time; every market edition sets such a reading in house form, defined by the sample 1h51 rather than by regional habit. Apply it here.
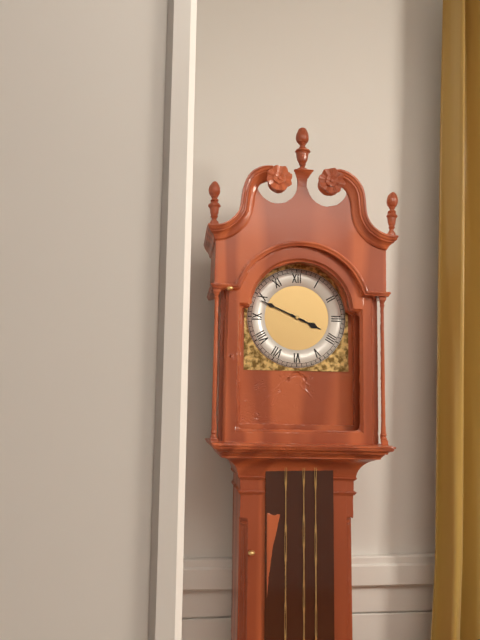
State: 3h49
